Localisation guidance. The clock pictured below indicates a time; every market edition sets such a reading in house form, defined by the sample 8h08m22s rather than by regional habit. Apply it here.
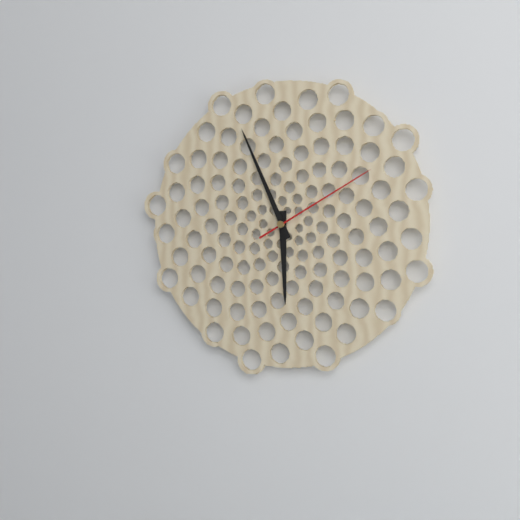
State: 5h56m10s
